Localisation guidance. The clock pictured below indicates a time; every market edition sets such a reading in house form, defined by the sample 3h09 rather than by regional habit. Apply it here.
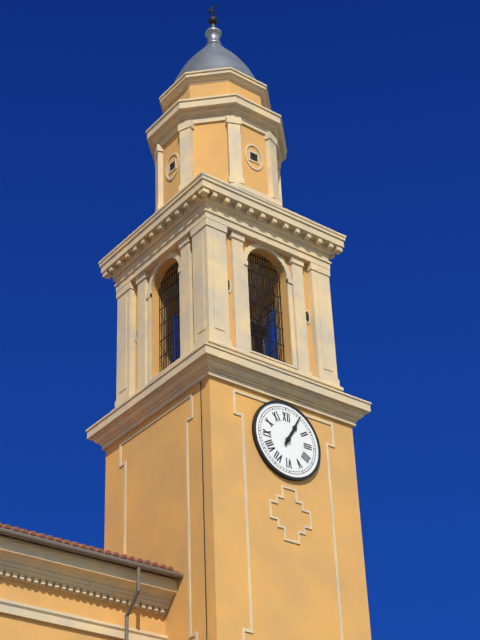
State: 1h05
